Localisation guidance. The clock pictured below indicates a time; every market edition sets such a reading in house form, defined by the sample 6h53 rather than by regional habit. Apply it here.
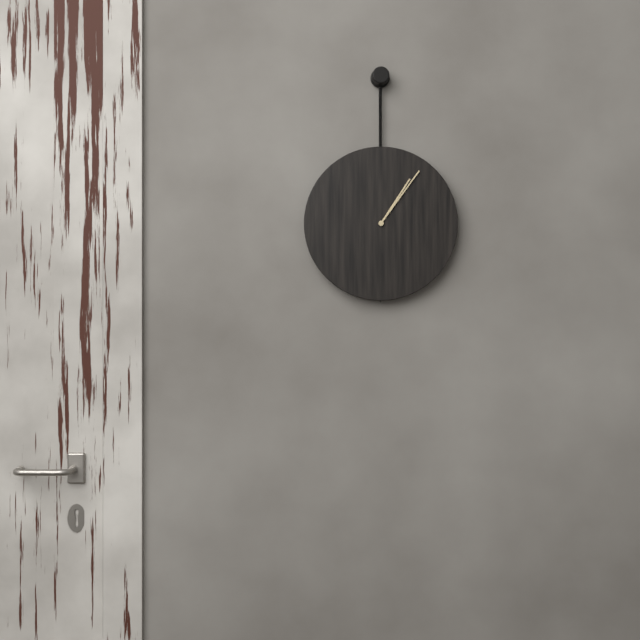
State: 1h06
